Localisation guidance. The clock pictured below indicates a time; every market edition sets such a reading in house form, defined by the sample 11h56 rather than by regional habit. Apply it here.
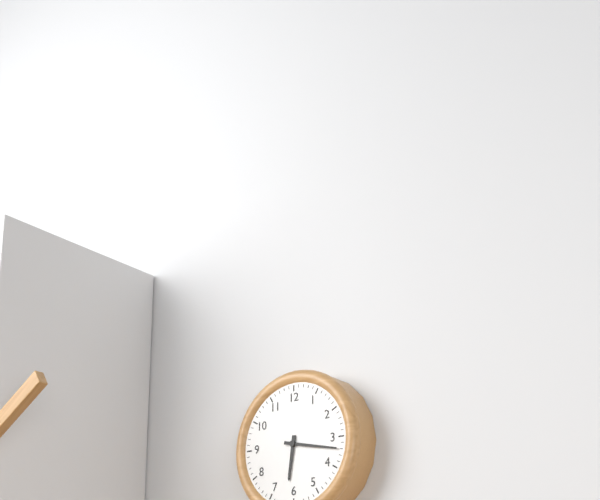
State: 6h17
